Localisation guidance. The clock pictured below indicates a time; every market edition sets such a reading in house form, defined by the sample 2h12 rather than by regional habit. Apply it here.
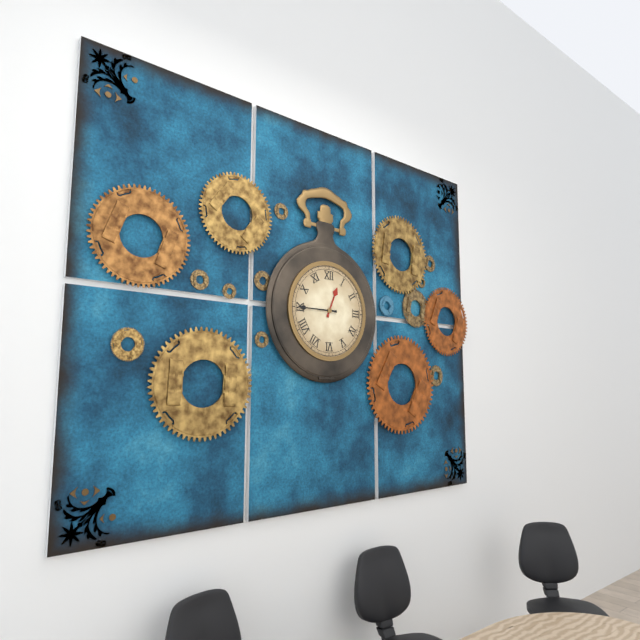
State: 12h45
